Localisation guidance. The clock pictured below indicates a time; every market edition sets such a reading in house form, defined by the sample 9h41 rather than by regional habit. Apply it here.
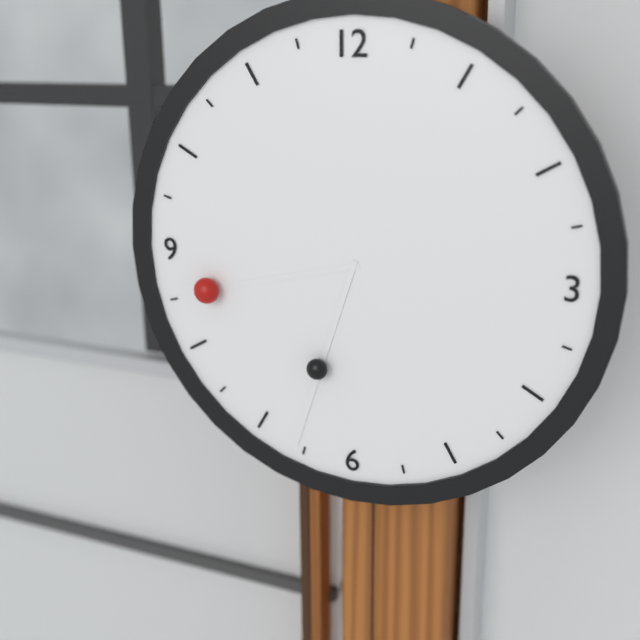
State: 8h33
